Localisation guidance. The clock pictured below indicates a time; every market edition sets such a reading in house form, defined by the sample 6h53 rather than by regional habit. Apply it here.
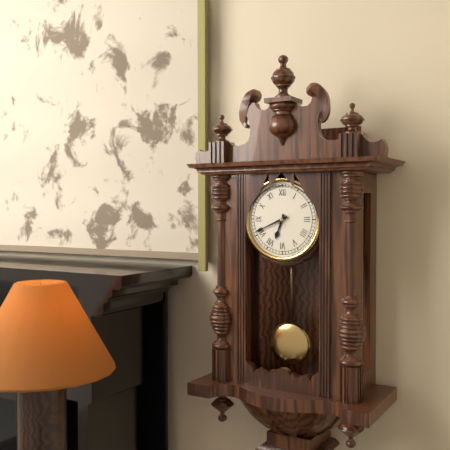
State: 6h41
